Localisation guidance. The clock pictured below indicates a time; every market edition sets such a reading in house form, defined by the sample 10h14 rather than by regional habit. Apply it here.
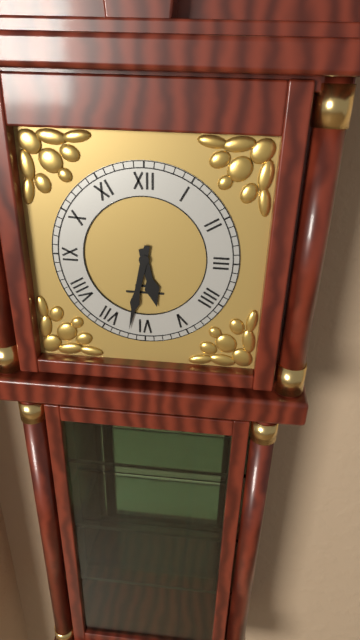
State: 5h32
